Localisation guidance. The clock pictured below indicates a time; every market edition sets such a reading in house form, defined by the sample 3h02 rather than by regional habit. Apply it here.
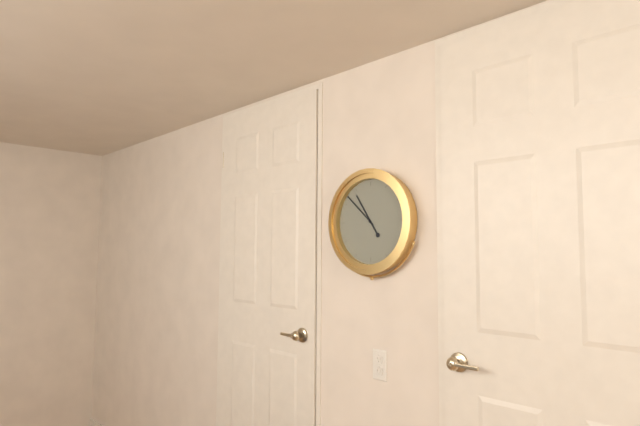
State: 10h52
